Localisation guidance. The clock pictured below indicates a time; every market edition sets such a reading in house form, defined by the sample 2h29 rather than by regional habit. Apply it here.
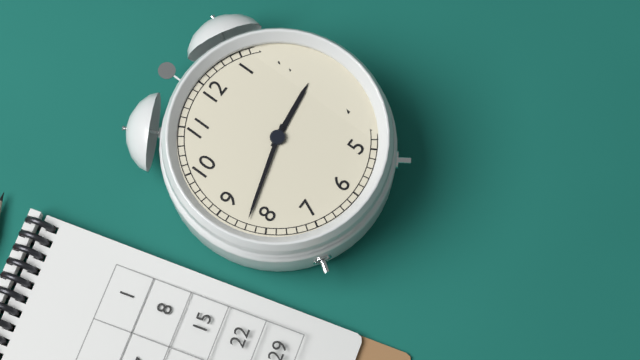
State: 2h42
